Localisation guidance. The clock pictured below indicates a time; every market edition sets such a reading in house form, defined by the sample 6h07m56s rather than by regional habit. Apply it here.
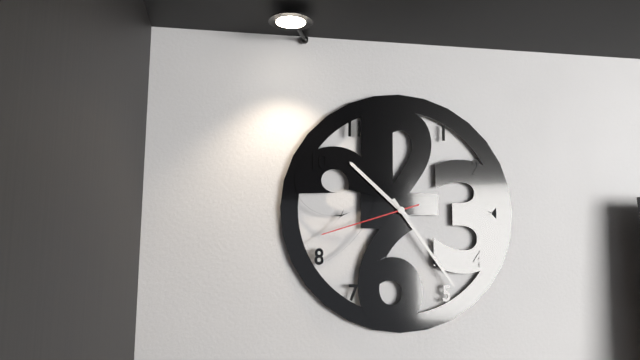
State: 10h24m42s
